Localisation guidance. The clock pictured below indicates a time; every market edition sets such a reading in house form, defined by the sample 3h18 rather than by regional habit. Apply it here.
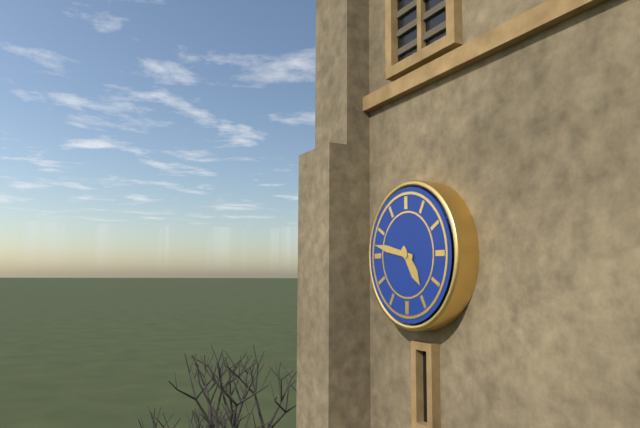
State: 4h47
